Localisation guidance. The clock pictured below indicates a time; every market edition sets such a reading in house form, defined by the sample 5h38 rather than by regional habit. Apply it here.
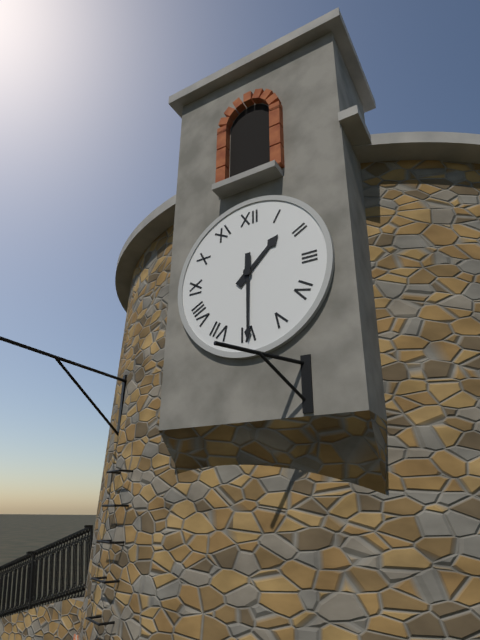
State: 1h30
